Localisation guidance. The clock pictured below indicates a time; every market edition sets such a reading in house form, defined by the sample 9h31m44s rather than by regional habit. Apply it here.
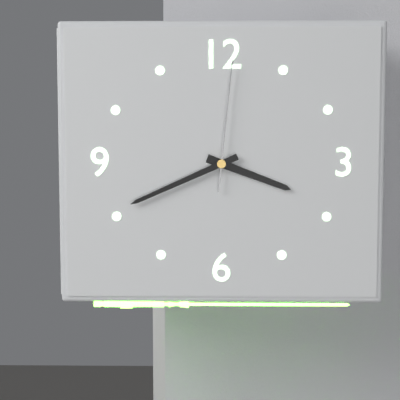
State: 3h41m01s
